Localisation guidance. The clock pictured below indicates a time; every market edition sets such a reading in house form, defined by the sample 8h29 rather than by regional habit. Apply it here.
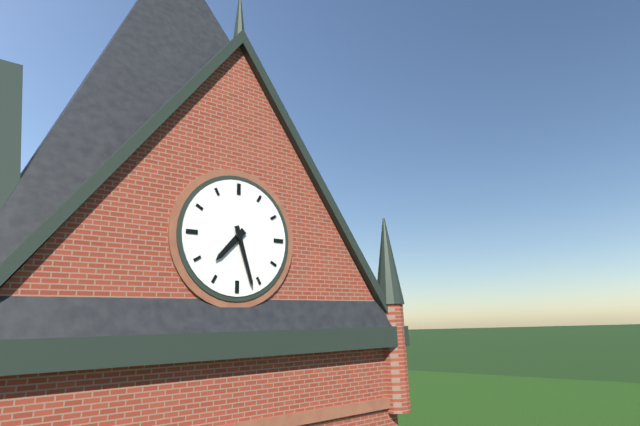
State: 7h27
